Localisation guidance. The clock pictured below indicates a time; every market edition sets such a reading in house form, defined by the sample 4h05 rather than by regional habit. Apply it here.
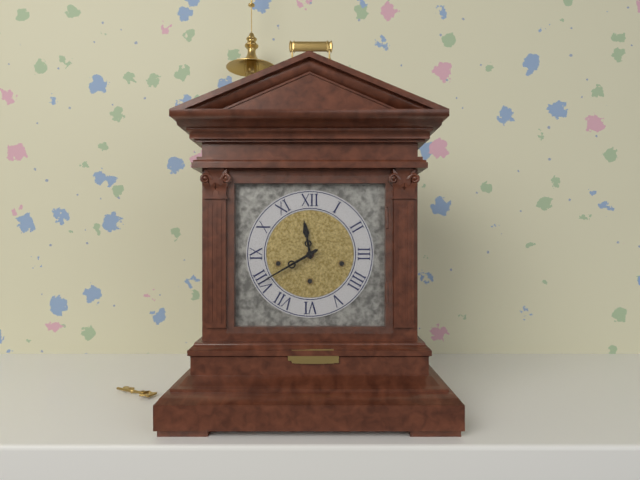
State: 11h40
